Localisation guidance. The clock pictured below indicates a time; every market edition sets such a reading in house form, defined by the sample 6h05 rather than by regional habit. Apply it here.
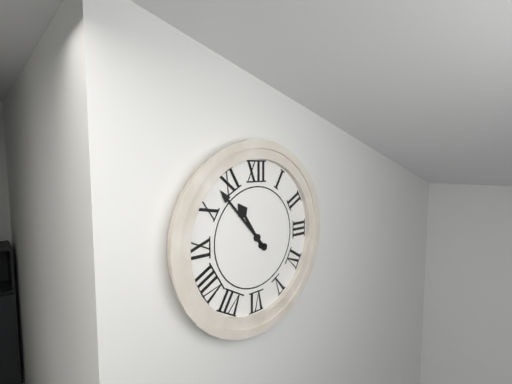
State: 10h53
